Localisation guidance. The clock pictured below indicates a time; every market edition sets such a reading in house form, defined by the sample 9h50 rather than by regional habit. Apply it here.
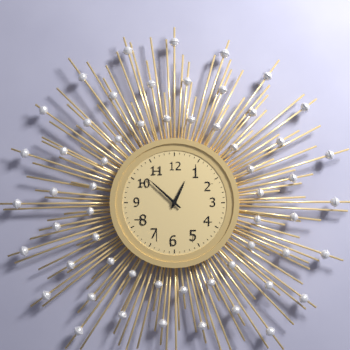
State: 12h52
